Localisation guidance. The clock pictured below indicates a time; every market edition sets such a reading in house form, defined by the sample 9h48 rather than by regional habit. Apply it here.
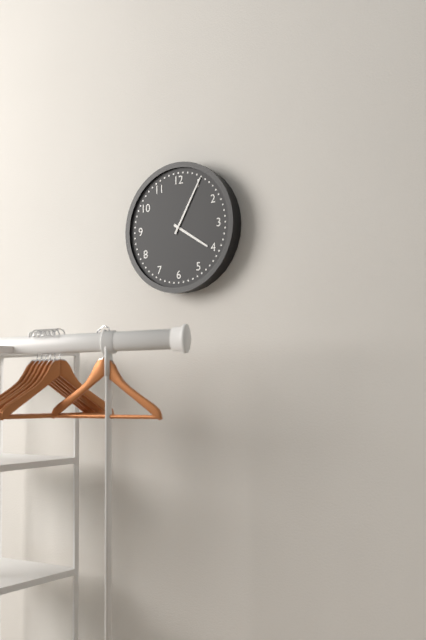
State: 4h05
